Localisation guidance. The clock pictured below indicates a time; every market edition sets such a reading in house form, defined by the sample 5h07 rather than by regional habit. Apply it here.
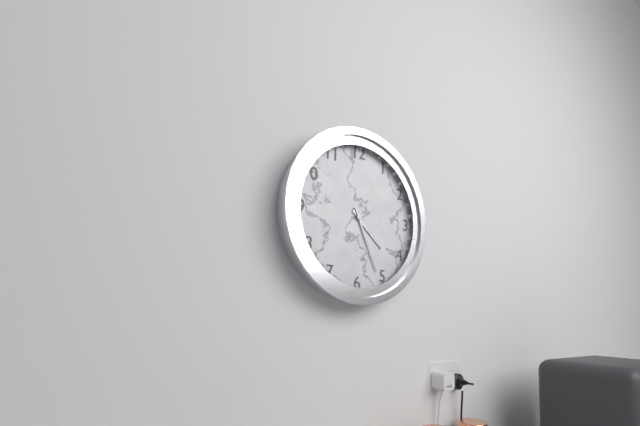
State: 4h26
